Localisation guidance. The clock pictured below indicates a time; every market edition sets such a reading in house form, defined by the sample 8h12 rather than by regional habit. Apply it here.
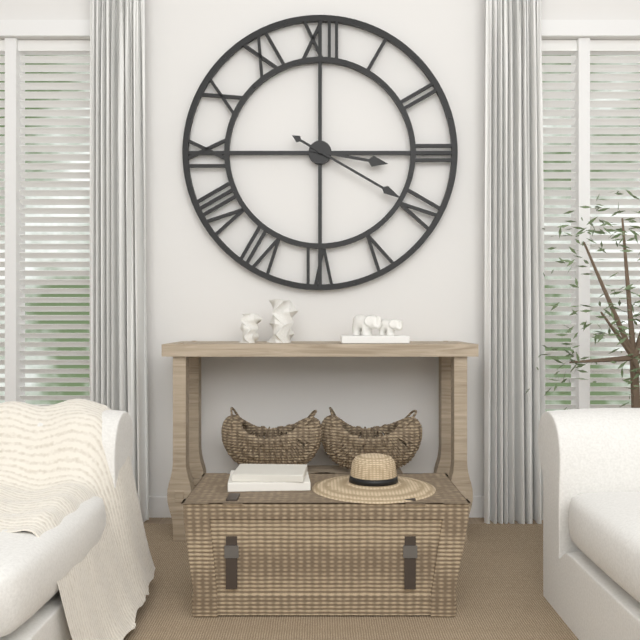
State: 3h20
